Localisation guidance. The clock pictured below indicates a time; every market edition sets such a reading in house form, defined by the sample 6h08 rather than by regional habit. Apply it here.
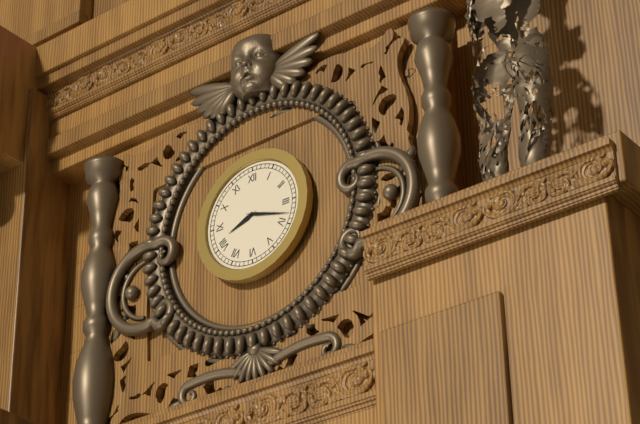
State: 8h18
